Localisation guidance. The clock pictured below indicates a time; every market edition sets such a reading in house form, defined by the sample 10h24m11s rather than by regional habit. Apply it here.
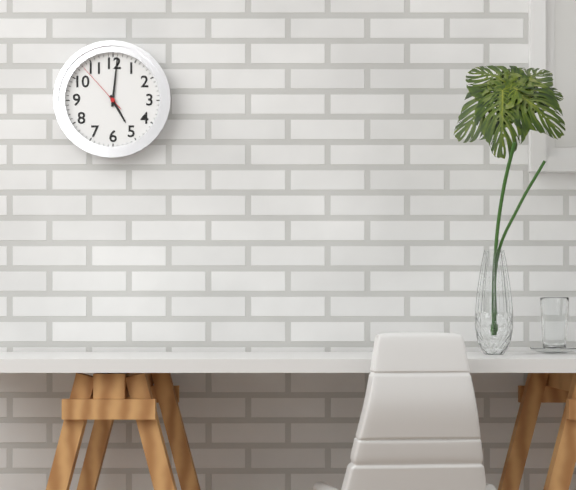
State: 5h01m53s
